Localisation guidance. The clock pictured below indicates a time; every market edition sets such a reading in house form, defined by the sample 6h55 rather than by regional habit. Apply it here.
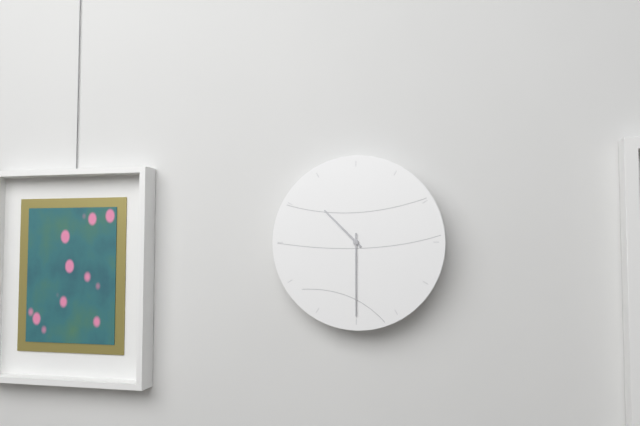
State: 10h30
